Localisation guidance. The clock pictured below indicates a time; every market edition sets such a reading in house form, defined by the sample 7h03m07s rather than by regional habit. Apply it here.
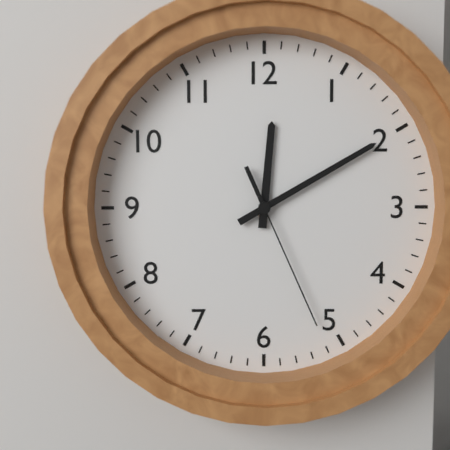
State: 12h10m26s
